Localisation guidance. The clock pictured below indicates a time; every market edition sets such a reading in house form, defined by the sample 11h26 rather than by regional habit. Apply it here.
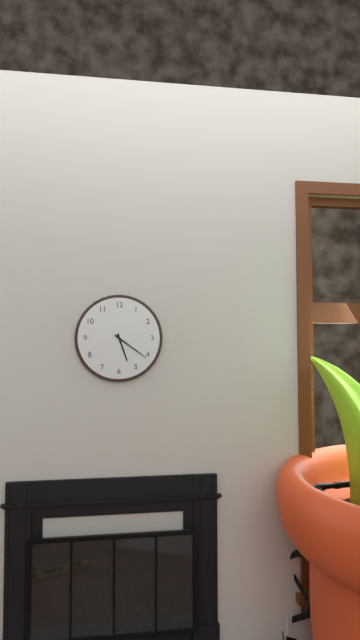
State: 5h21
